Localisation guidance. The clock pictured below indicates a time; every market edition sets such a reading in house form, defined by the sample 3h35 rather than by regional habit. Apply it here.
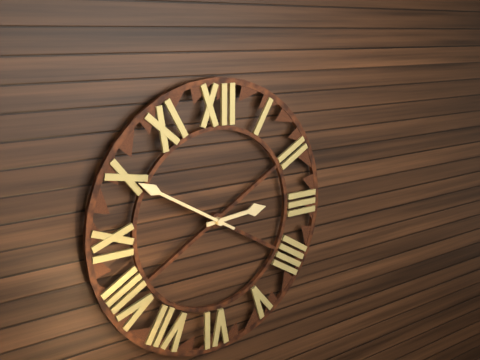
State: 2h50
